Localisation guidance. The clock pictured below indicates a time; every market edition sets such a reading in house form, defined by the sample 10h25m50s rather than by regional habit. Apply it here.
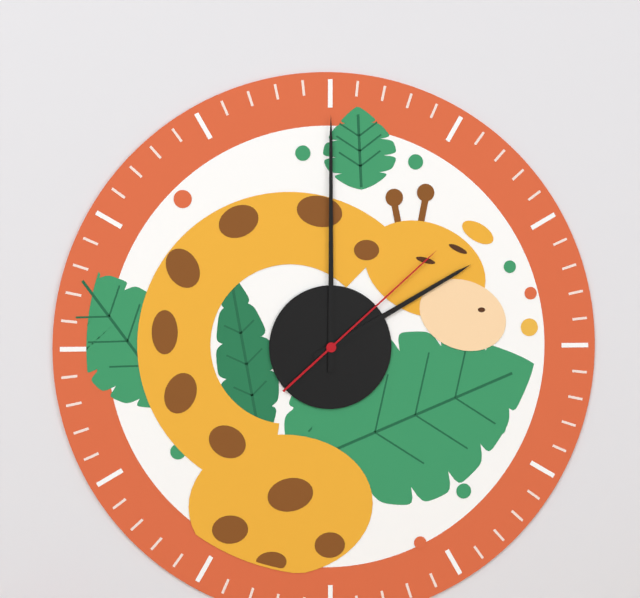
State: 2h00m08s
